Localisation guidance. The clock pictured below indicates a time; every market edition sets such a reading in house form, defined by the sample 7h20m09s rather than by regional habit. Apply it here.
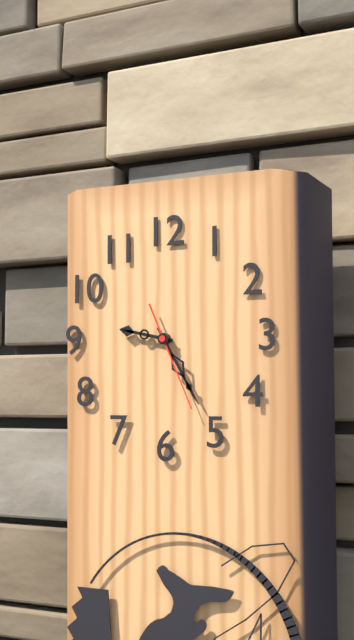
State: 9h25m26s
